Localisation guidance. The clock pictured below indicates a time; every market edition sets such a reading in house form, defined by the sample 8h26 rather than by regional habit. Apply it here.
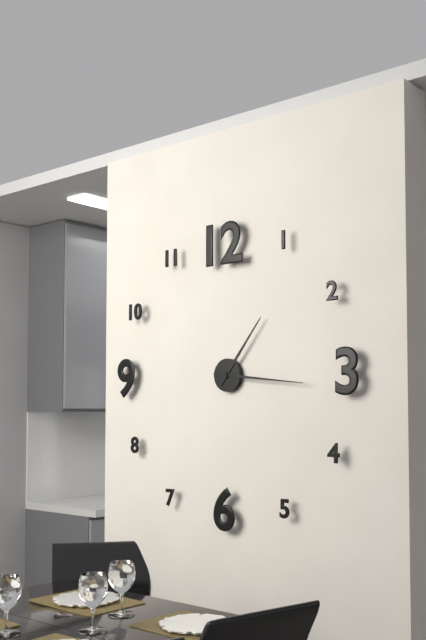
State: 1h16
